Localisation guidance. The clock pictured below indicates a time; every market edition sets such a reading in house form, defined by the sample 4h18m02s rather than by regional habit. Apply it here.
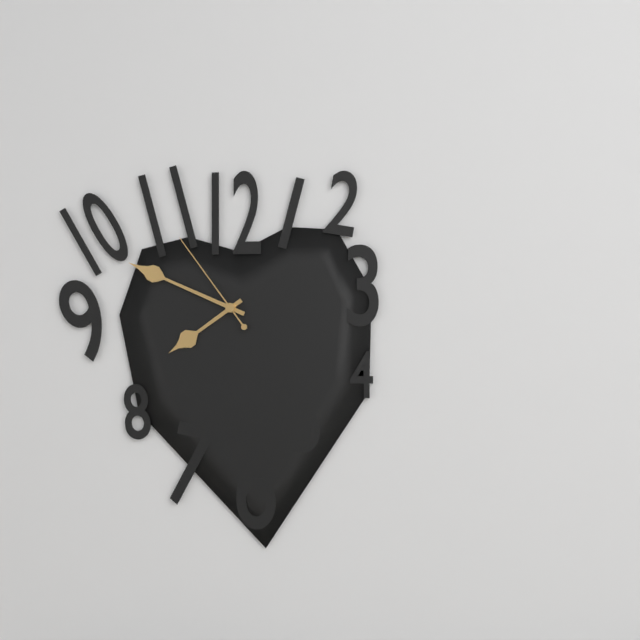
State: 7h49m54s
